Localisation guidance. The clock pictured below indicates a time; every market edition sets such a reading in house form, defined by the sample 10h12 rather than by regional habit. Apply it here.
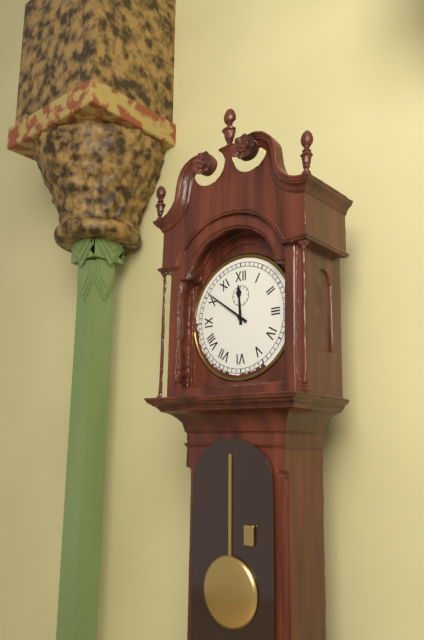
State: 11h51
